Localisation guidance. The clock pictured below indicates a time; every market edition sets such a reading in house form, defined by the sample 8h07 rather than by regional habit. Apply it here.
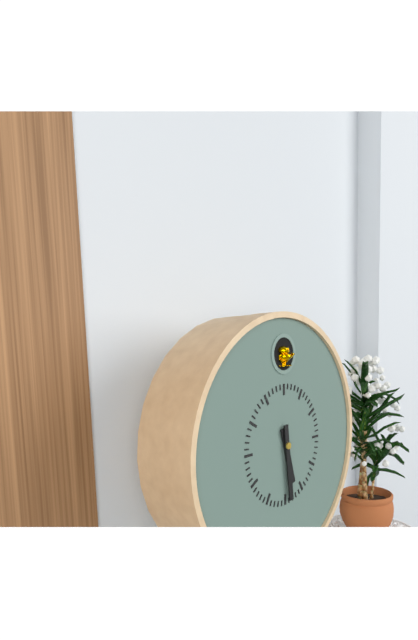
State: 5h29
